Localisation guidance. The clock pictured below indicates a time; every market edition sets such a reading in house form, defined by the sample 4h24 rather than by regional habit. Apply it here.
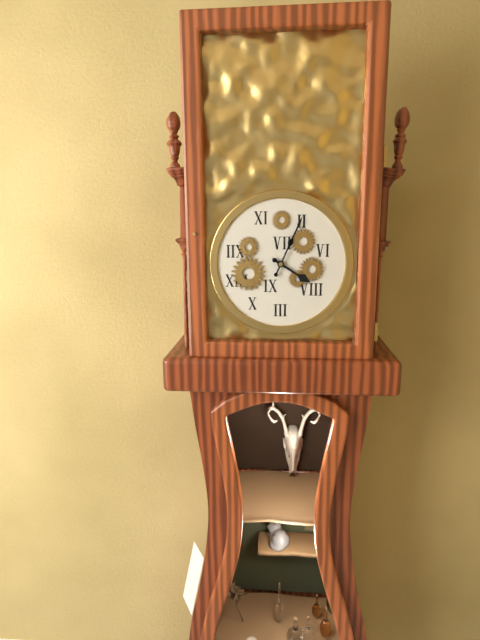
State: 4h04
